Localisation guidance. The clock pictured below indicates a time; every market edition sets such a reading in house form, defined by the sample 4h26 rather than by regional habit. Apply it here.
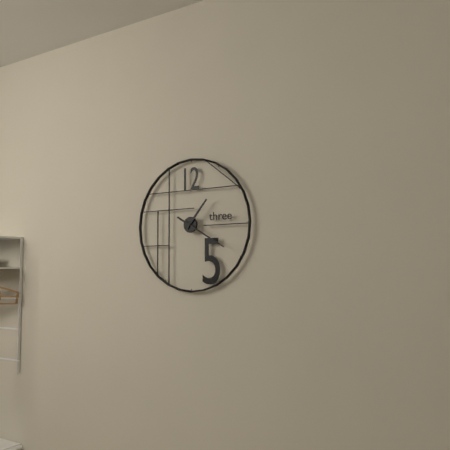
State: 1h20
